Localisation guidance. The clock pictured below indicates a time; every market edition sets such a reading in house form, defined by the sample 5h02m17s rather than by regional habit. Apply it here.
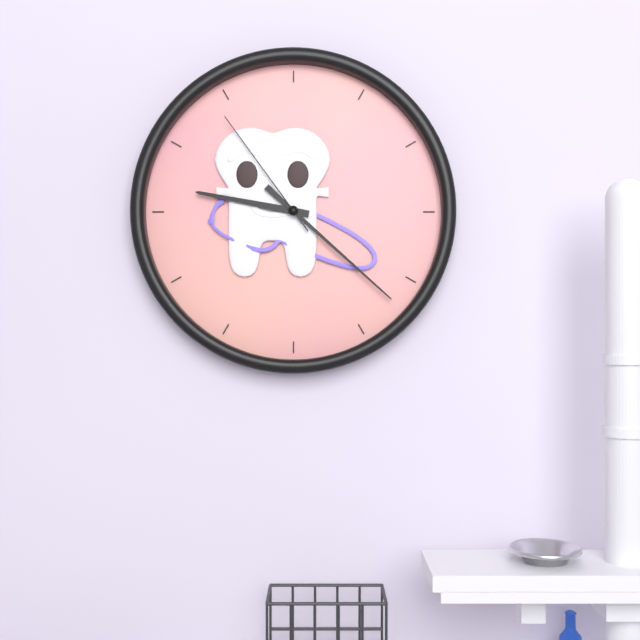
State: 9h22m54s
